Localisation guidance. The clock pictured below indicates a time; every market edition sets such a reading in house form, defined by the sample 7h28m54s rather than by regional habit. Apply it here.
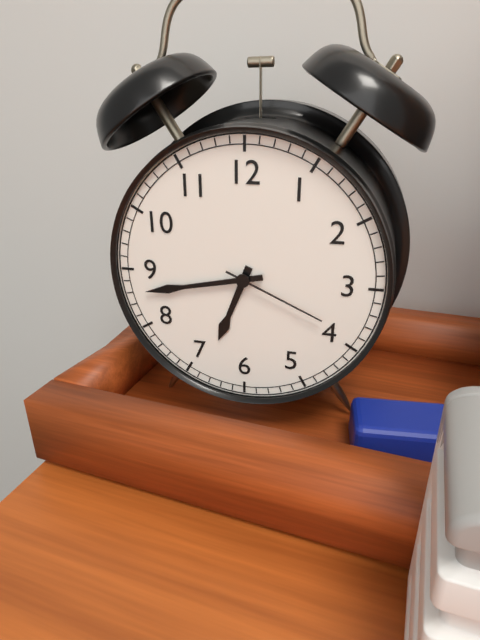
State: 6h43m19s
